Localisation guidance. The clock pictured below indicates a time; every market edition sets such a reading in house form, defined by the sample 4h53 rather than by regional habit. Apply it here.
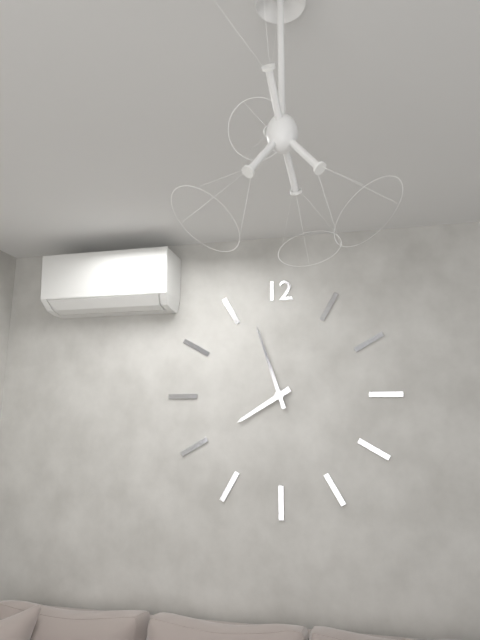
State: 7h57
